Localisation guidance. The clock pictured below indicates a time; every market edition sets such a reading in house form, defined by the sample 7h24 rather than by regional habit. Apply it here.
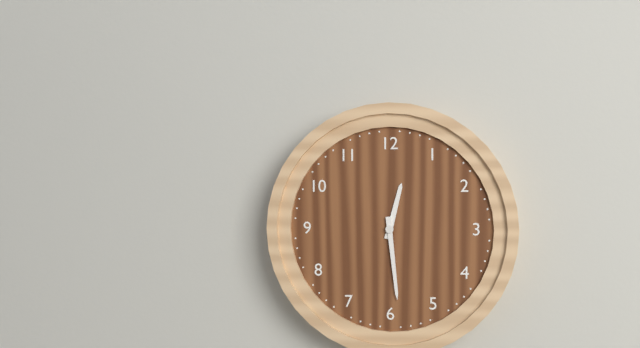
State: 12h29
